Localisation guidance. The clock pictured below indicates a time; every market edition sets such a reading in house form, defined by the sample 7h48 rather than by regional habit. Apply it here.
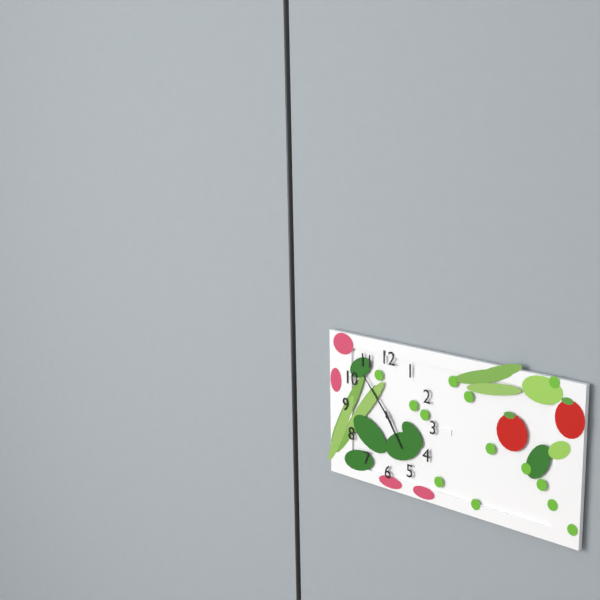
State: 4h53
